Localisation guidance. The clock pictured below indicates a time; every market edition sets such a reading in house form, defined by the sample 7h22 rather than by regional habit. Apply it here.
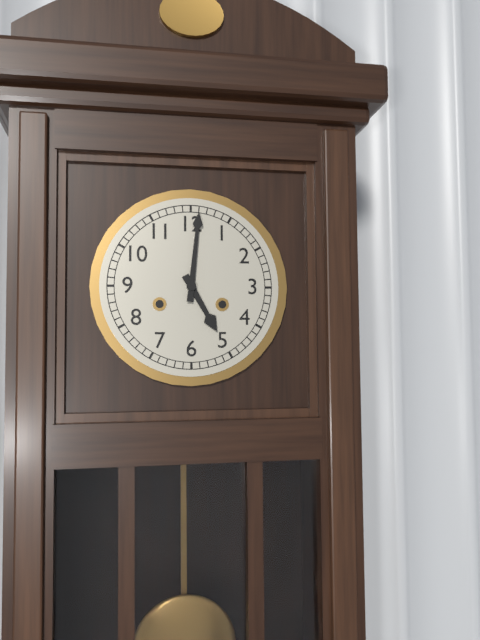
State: 5h01
